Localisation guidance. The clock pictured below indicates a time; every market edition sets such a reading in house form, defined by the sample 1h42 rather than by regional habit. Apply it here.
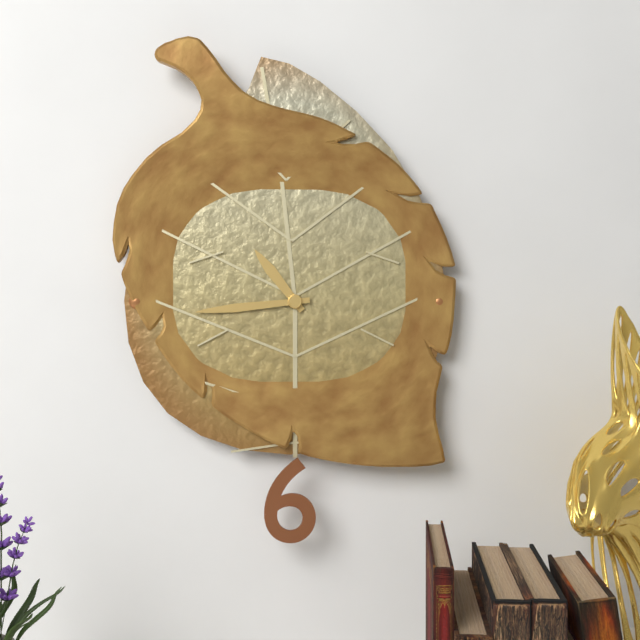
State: 10h44
